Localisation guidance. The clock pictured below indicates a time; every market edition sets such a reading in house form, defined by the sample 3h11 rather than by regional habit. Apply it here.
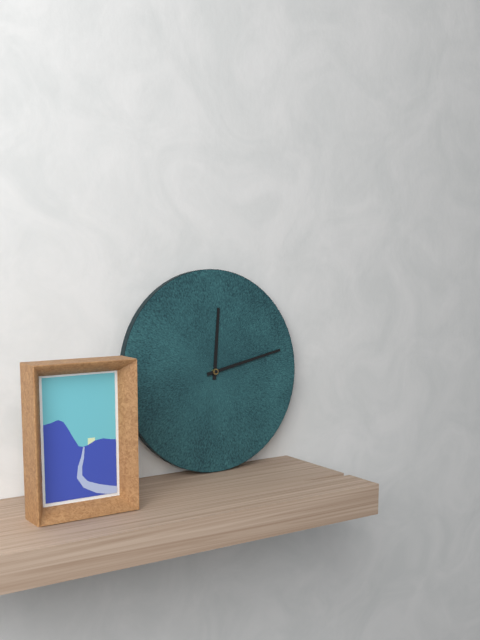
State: 12h13
